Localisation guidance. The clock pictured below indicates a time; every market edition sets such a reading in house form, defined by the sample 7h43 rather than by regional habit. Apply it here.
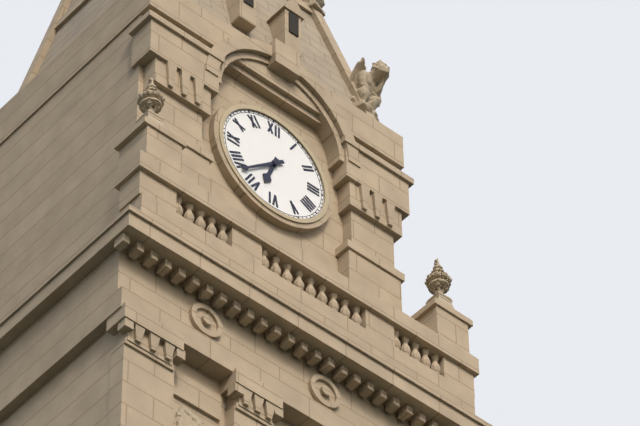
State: 6h38
